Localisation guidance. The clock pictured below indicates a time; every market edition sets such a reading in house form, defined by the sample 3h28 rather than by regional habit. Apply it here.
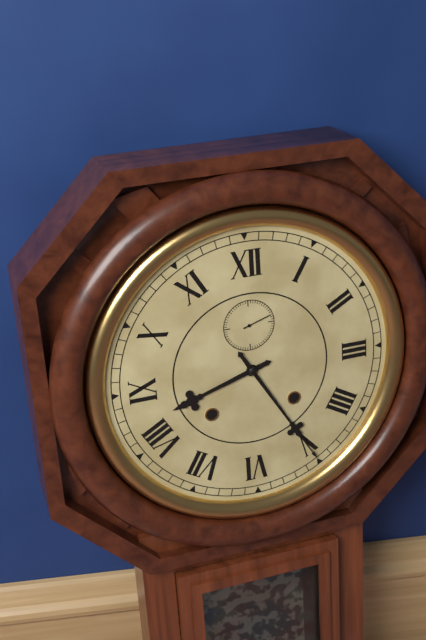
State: 8h25
